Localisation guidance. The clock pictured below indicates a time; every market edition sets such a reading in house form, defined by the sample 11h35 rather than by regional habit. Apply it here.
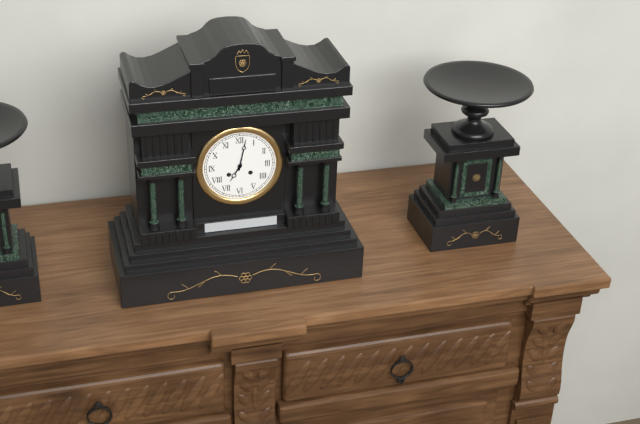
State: 7h02
